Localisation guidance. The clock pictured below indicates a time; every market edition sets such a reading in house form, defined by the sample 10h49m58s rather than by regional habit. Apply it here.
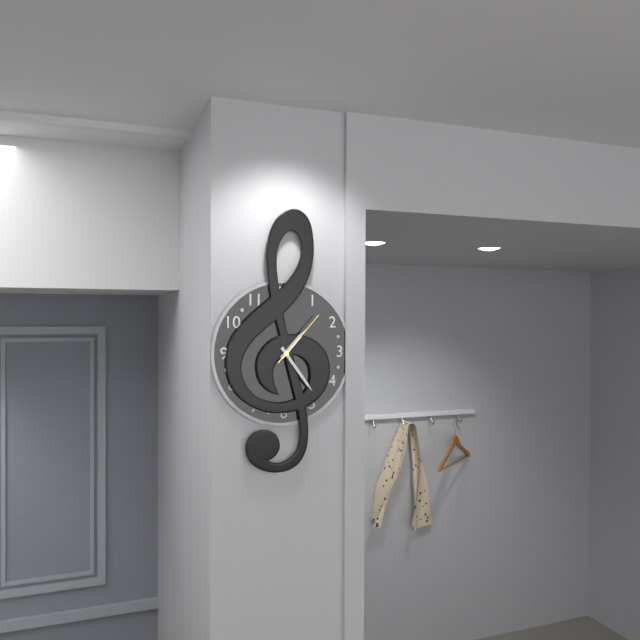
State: 1h24m07s
